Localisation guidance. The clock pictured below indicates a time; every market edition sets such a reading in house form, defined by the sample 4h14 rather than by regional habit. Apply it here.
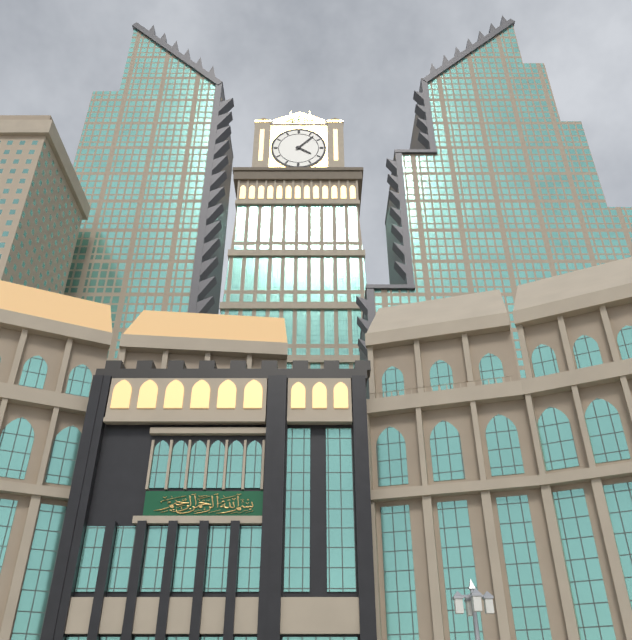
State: 4h07
